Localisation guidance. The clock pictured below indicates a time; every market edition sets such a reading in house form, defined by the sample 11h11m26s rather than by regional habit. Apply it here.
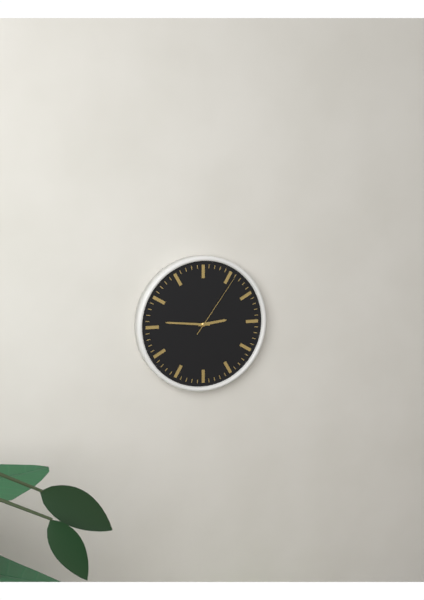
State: 2h46m06s
